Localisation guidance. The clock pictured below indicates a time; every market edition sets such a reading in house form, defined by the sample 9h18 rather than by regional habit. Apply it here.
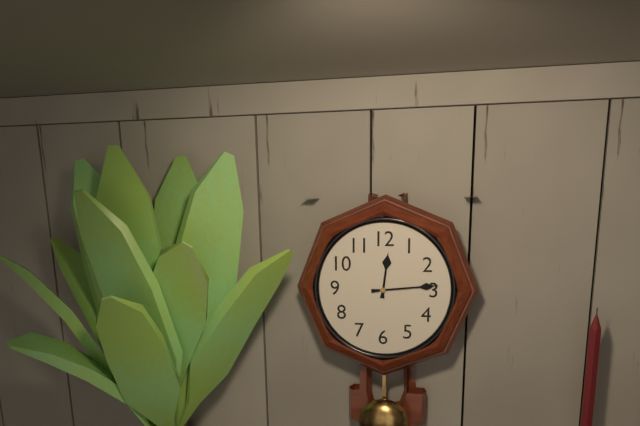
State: 12h14
